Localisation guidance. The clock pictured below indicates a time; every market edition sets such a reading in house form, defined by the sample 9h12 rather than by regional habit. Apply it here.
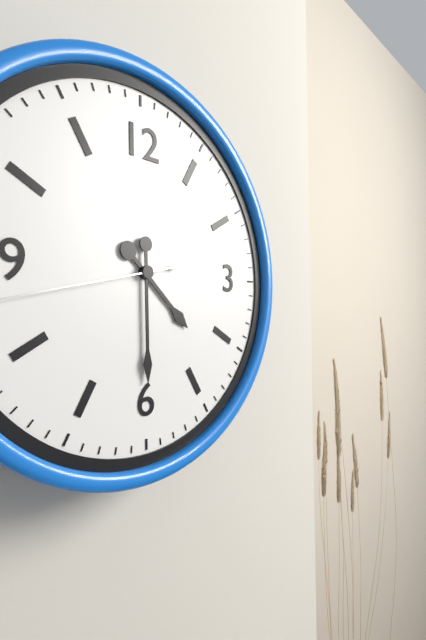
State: 4h30
